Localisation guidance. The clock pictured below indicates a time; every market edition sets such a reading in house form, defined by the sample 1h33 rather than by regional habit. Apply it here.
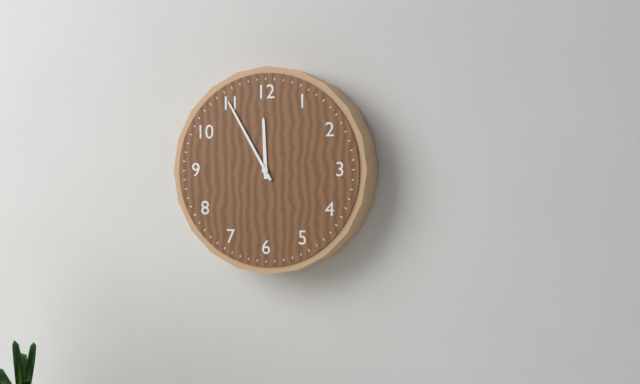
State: 11h55
